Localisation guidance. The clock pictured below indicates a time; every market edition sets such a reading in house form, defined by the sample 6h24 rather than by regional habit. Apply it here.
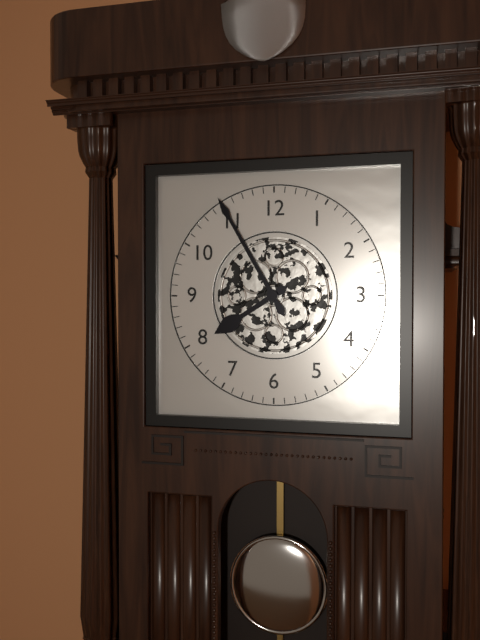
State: 7h55
